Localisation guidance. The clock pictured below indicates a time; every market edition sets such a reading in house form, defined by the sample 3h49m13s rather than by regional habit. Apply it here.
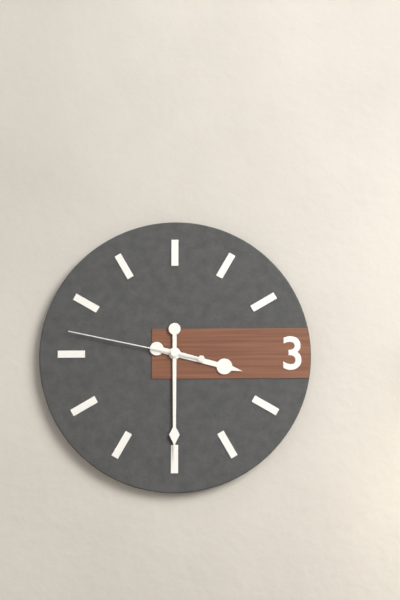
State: 3h30m47s
